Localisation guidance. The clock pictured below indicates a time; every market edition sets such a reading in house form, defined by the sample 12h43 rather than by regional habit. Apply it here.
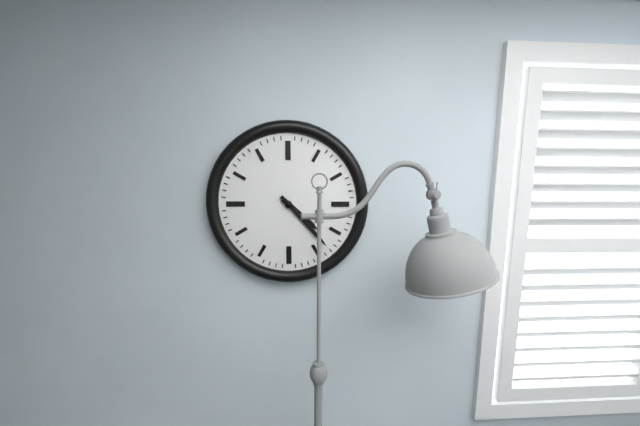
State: 4h23
